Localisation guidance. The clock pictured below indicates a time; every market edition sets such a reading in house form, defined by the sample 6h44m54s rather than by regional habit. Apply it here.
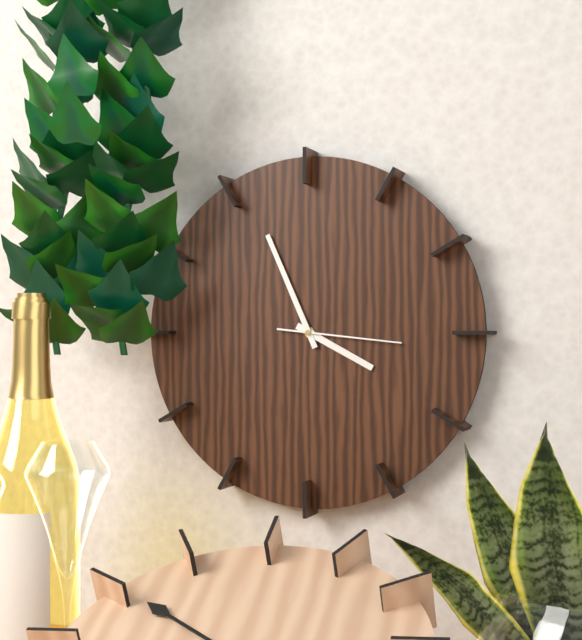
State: 3h56m16s
